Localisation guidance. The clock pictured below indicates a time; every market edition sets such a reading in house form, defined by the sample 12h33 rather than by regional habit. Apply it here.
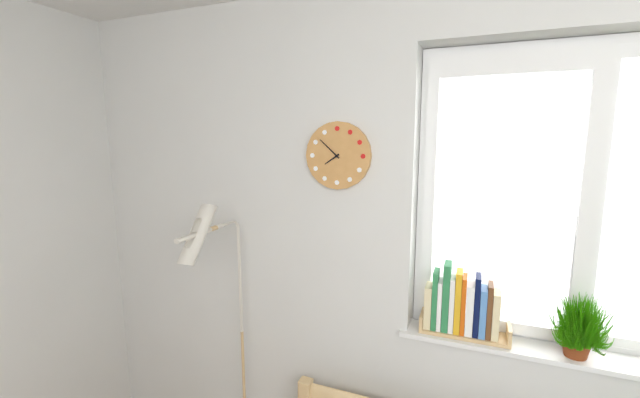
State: 7h52
